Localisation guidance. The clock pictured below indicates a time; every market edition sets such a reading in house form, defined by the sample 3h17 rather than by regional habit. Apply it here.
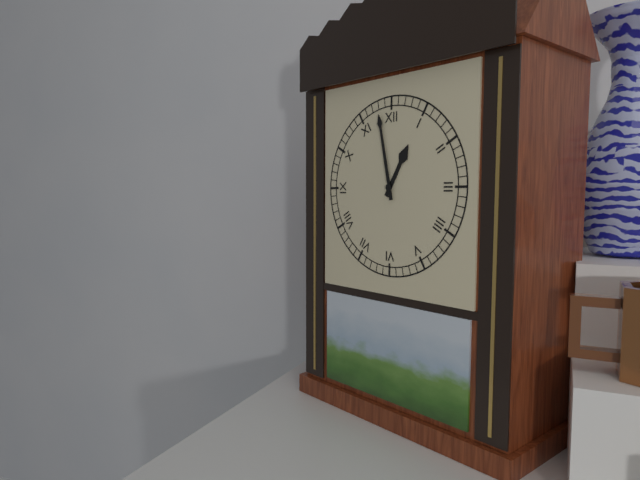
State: 12h58
